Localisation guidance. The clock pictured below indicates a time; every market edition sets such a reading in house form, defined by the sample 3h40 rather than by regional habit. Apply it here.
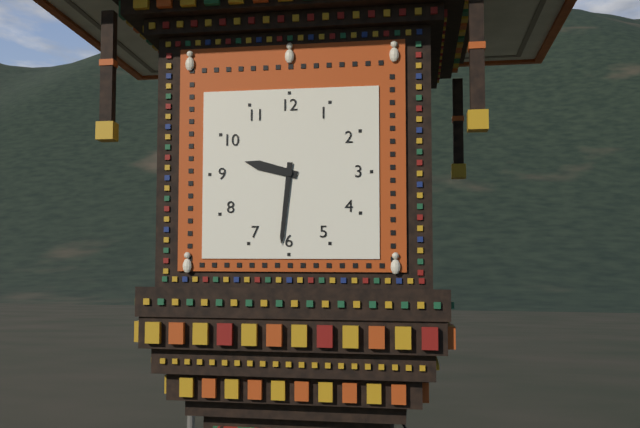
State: 9h31
